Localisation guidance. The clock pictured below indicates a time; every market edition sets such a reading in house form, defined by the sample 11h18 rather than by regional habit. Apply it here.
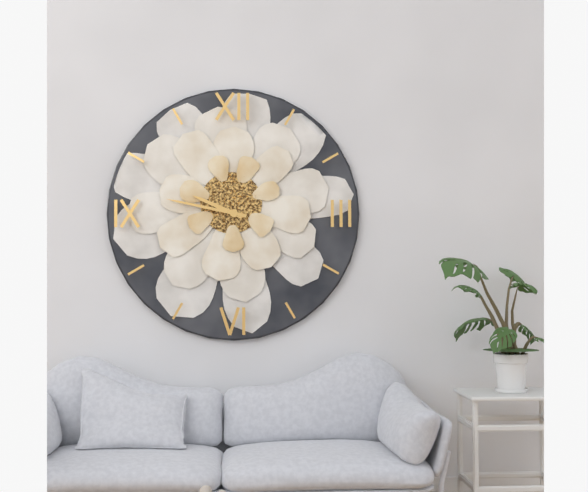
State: 9h47
